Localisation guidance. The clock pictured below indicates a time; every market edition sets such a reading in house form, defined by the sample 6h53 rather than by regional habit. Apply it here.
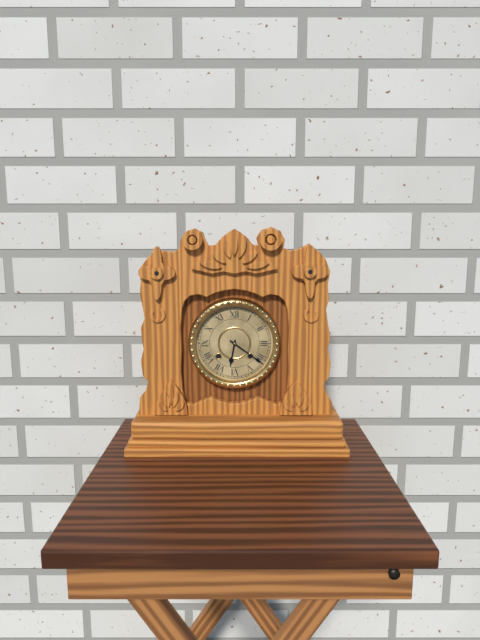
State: 6h21
